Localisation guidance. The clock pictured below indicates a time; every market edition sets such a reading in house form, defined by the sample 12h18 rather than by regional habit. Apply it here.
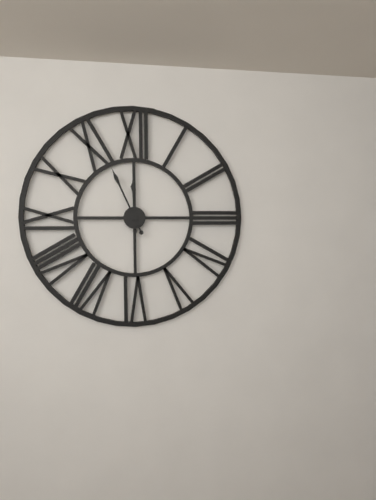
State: 11h56
